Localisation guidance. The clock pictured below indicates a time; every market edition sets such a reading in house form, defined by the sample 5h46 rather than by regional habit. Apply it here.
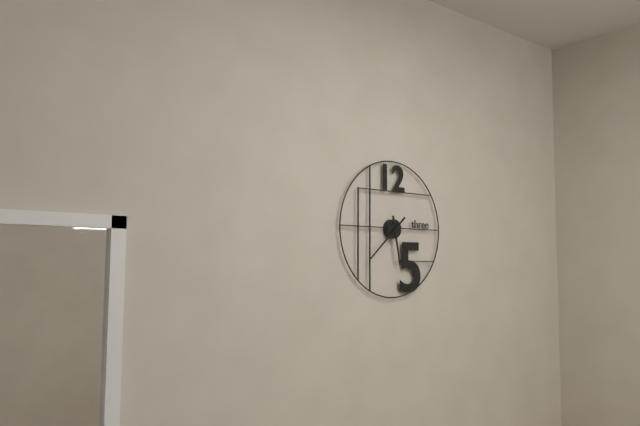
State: 5h38
